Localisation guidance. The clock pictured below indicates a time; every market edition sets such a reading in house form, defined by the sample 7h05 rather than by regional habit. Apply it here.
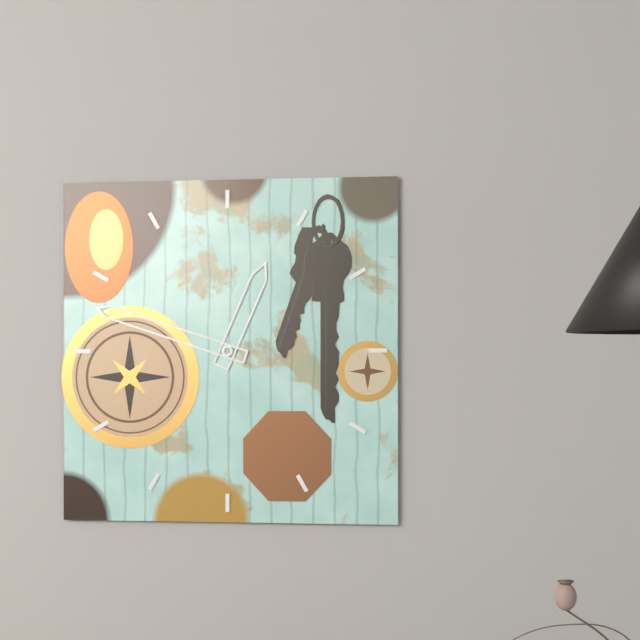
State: 12h48
